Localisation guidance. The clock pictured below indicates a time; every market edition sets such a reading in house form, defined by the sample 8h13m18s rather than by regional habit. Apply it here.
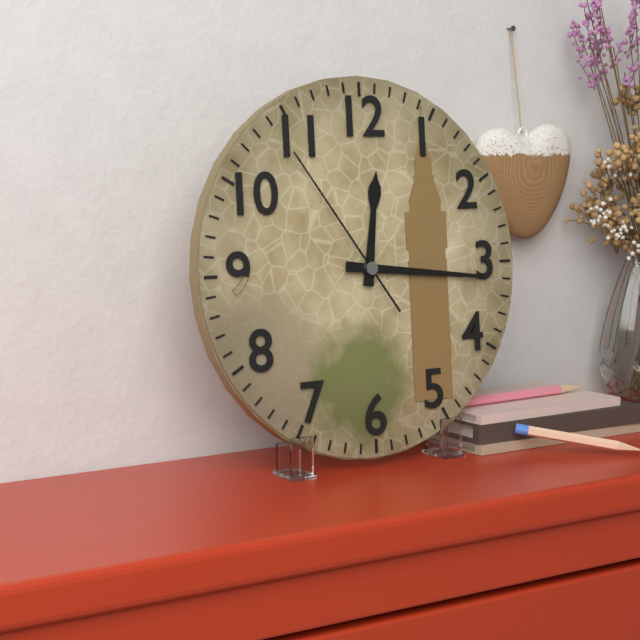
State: 12h16m54s
